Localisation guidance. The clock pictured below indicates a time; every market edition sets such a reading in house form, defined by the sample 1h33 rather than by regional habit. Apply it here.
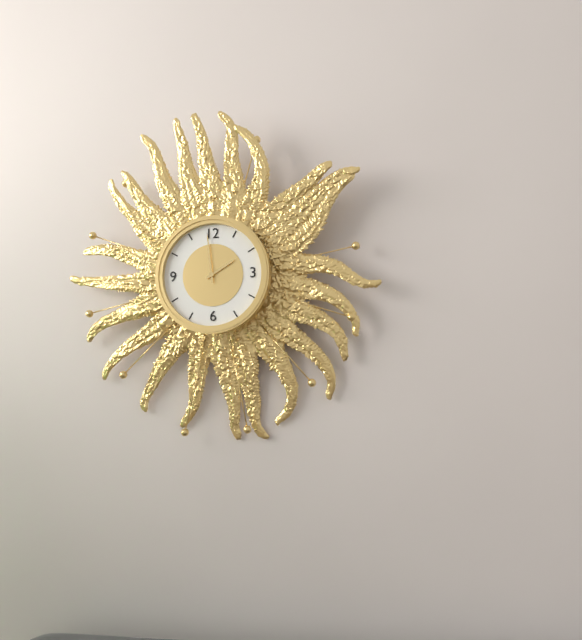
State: 1h59
